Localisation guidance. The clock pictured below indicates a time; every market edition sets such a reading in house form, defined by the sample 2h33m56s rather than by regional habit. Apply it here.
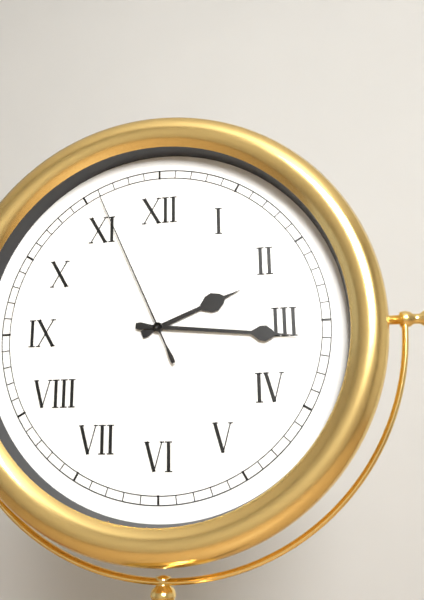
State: 2h16m56s
